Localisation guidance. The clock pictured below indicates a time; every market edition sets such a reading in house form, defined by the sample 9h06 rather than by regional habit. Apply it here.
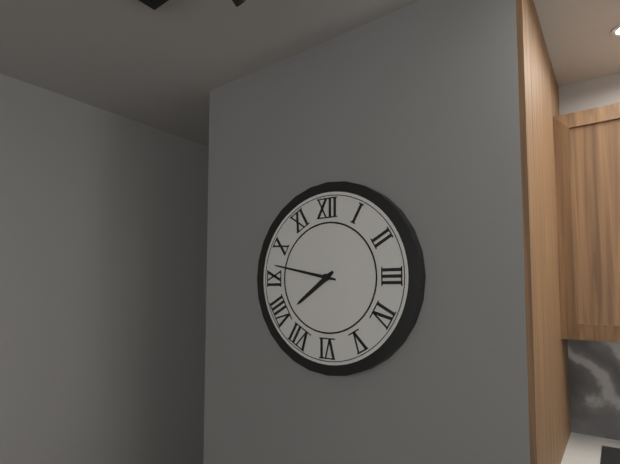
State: 7h47
